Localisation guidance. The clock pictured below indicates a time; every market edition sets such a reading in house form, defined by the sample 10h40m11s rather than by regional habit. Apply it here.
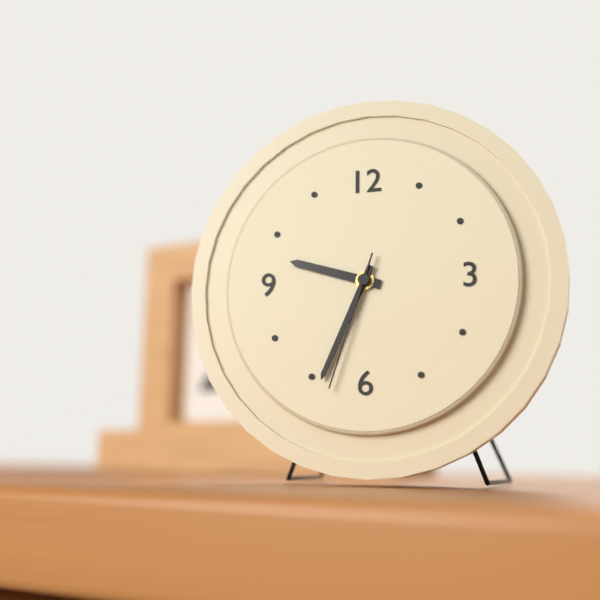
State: 9h34m33s
